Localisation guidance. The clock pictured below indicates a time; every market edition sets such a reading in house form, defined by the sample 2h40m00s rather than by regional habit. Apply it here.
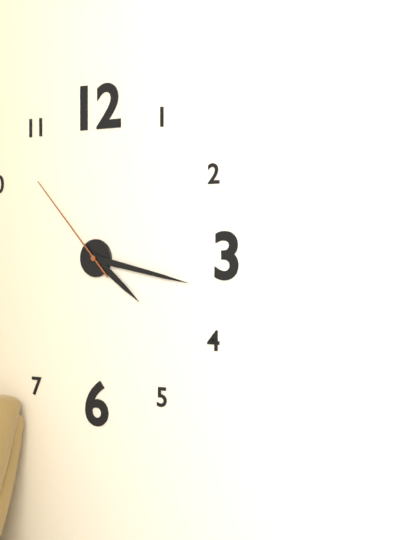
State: 4h17m53s
